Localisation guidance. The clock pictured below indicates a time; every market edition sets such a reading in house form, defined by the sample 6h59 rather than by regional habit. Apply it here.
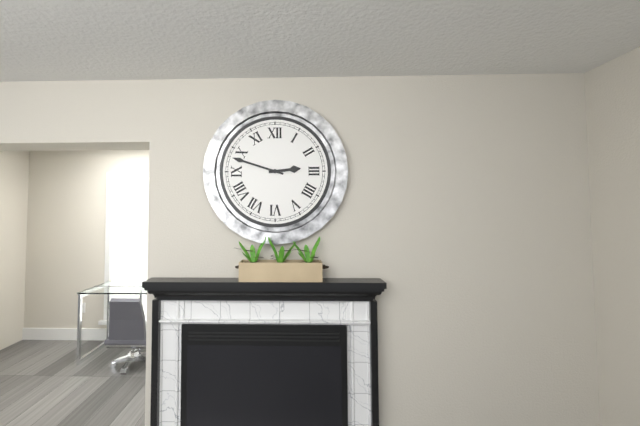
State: 2h48
